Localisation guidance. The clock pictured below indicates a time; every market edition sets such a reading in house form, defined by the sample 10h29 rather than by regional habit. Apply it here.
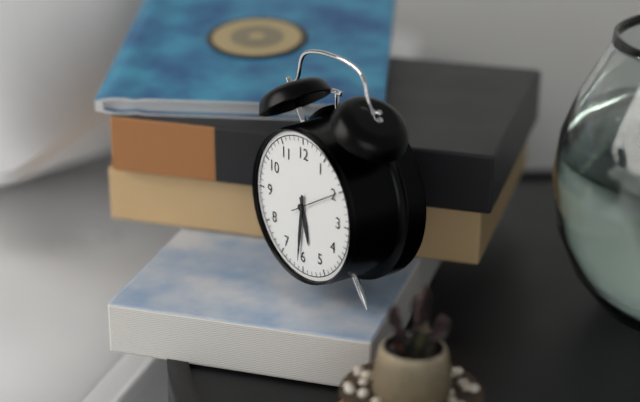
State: 5h31
